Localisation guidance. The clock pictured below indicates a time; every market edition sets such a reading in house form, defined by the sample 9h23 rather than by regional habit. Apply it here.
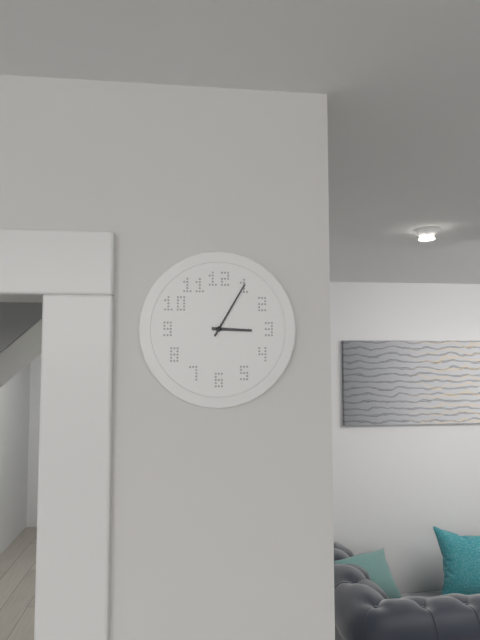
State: 3h05
